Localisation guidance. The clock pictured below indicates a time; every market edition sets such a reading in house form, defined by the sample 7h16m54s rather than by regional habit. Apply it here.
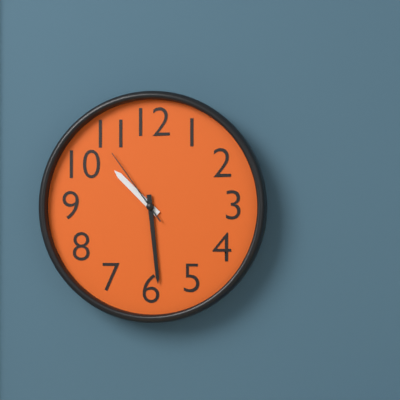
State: 10h29m54s
